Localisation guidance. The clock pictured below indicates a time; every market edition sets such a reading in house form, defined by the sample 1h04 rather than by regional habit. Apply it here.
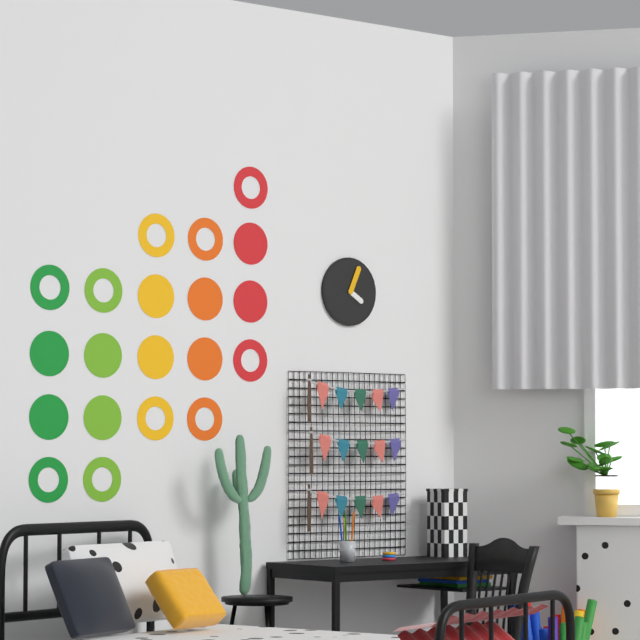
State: 4h04
